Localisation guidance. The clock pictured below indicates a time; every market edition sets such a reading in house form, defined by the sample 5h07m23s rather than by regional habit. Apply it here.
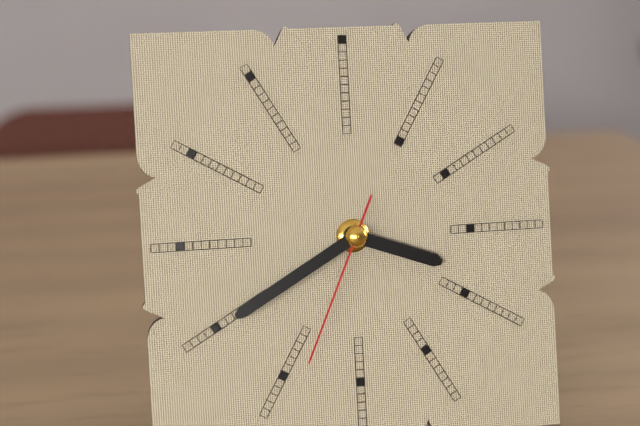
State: 3h40m34s
